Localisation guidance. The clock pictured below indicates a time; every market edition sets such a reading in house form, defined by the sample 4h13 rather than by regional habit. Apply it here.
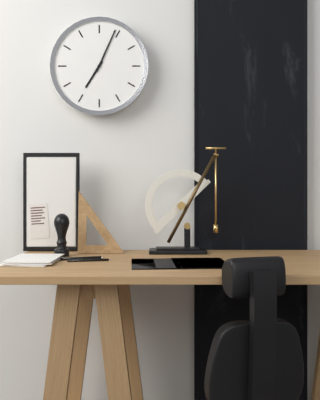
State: 7h04
